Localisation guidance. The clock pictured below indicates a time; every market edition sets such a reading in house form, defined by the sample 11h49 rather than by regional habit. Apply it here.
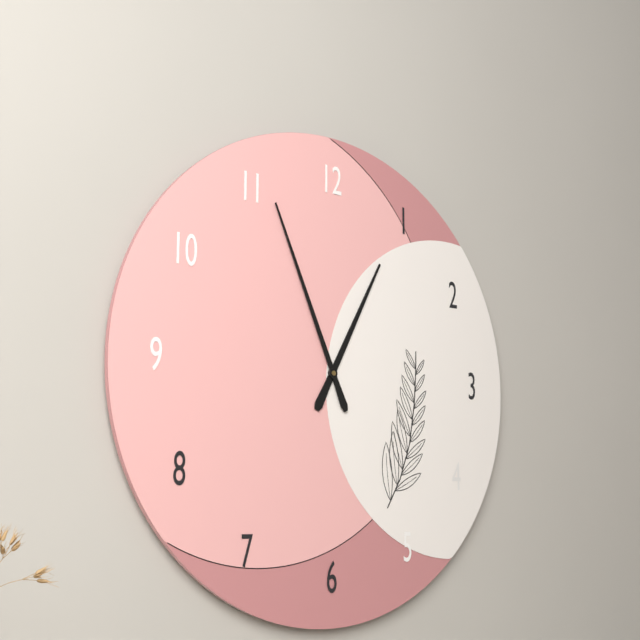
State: 12h56
